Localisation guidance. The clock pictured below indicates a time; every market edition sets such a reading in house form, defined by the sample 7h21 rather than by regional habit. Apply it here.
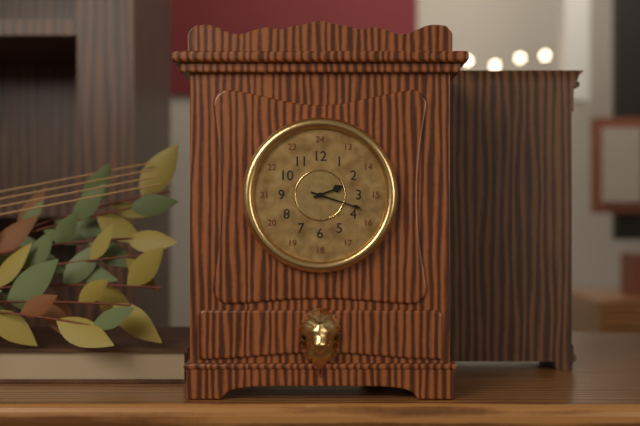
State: 2h18
